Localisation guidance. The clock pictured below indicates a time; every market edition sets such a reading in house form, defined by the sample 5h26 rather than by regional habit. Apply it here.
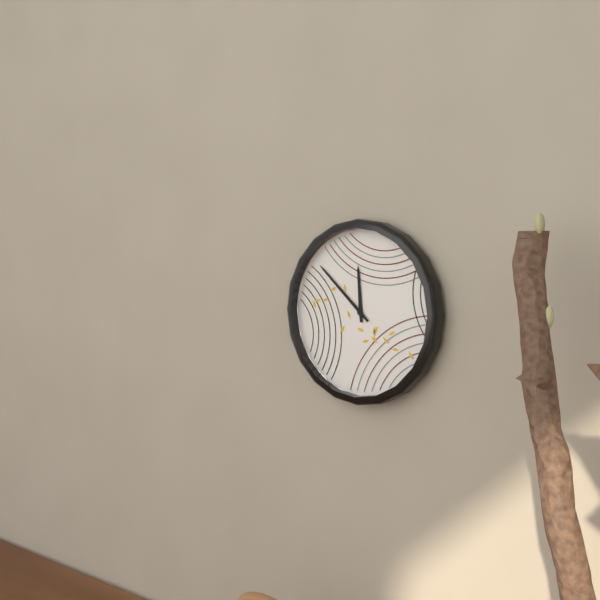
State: 11h52
